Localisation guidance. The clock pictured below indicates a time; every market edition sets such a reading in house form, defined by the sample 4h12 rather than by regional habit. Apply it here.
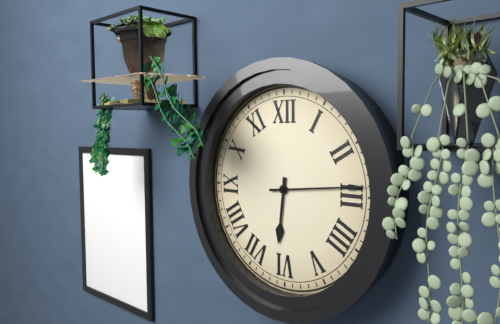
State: 6h14
